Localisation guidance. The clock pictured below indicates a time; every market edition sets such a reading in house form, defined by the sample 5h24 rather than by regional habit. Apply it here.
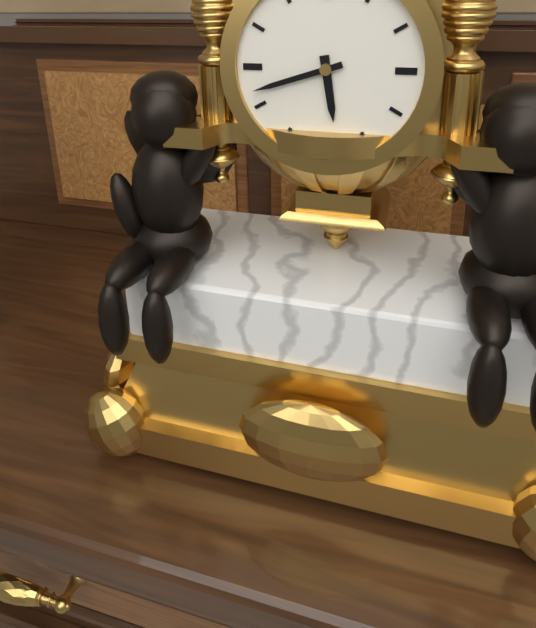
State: 5h42
